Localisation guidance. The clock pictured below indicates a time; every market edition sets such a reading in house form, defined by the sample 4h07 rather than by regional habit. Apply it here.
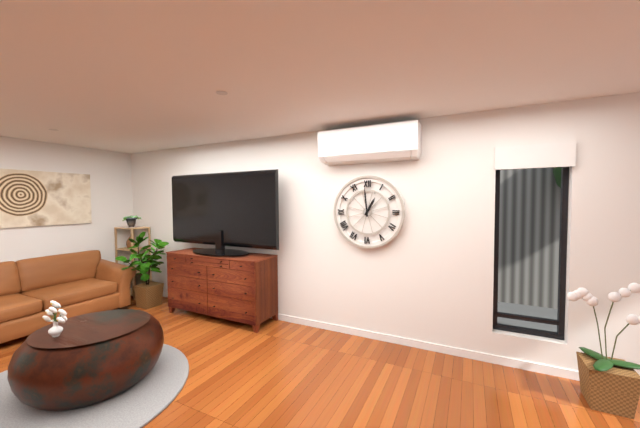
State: 12h59
